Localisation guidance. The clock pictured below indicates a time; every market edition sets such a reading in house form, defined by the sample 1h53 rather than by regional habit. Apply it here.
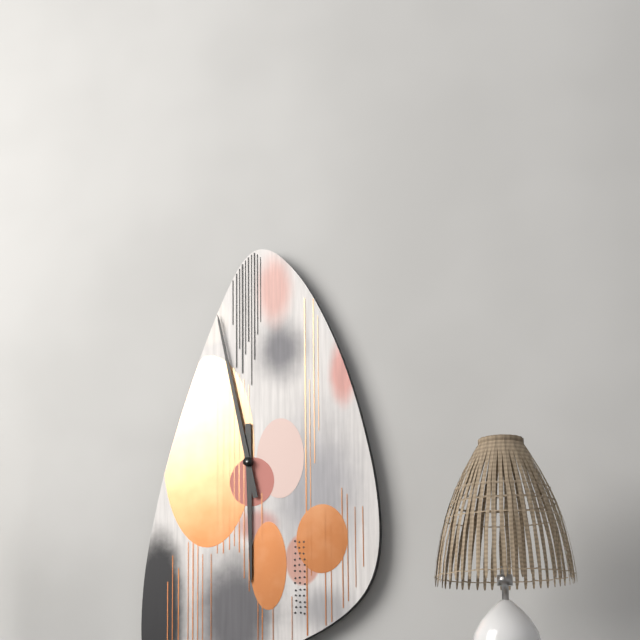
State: 5h58
